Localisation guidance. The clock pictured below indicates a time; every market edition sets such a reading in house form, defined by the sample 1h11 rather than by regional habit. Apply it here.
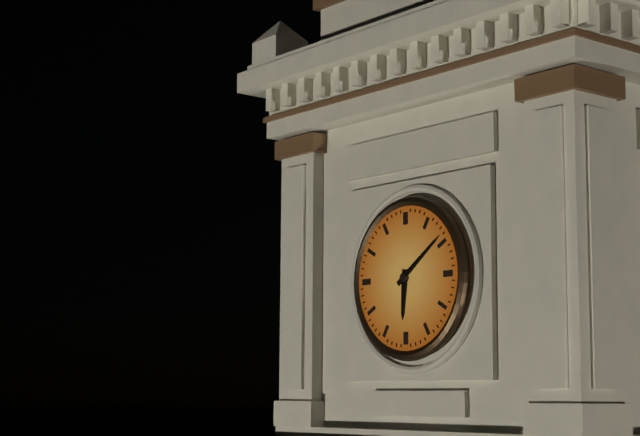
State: 6h09
